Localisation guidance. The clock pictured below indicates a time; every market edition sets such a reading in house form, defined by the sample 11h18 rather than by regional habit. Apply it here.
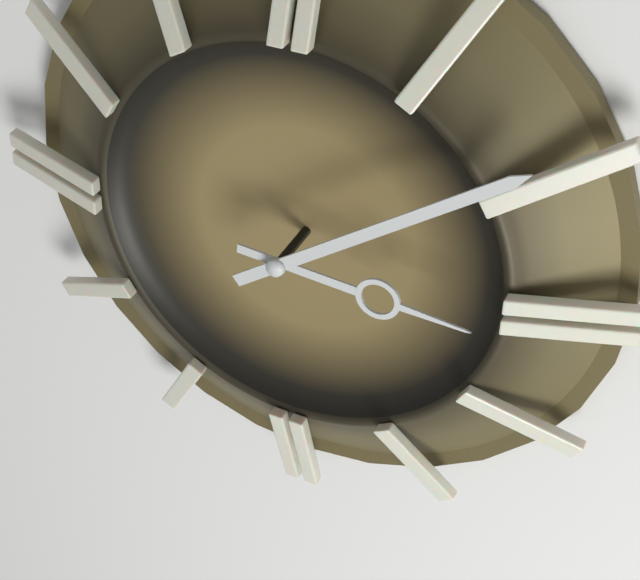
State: 3h09
